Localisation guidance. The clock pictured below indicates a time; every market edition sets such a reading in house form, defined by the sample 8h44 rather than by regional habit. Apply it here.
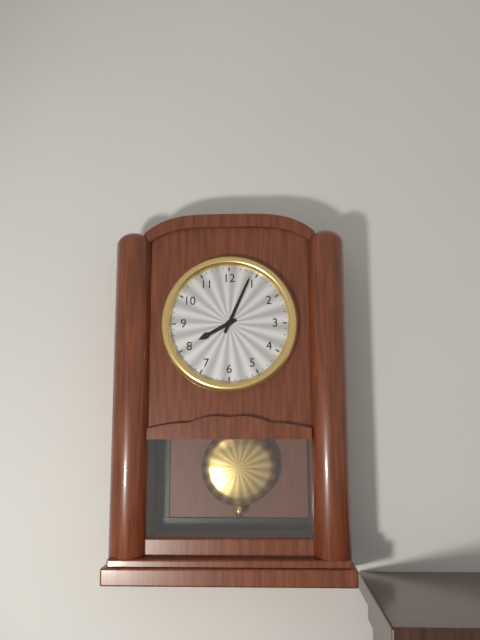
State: 8h04
